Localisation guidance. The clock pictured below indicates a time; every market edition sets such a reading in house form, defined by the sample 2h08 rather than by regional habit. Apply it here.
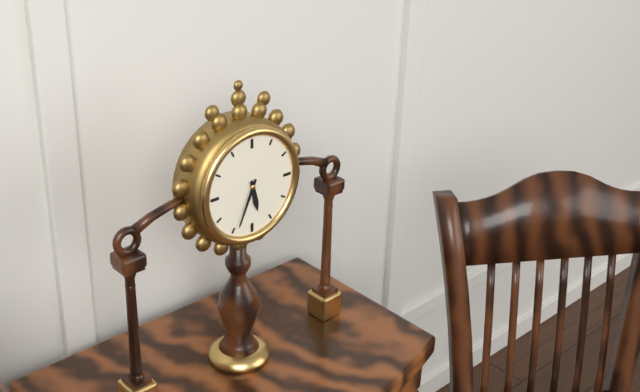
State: 5h34
